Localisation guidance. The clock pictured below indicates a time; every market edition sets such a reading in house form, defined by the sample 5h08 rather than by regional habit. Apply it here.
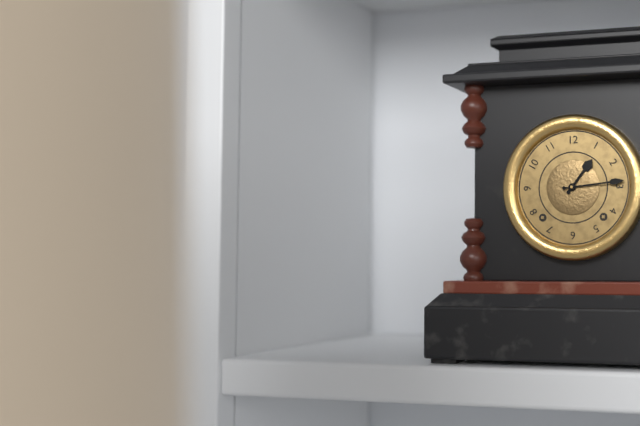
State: 1h14
